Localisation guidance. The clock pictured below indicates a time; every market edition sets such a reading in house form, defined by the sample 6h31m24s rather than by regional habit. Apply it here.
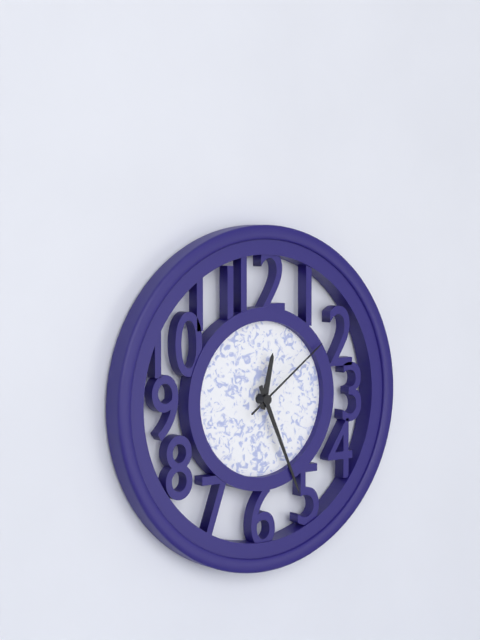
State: 12h26m09s
